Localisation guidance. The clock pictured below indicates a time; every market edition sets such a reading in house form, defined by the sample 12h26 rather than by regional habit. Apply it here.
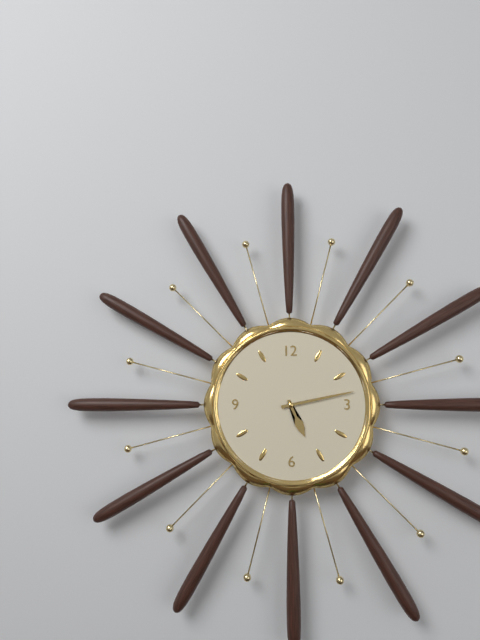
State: 5h13
